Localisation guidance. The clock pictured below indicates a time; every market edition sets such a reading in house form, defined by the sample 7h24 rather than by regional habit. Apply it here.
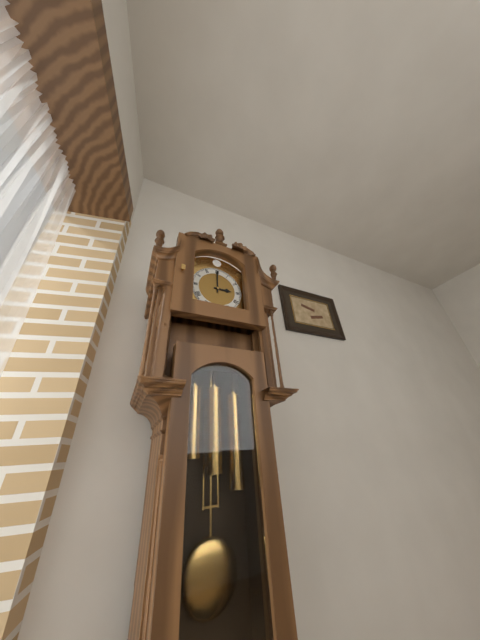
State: 3h00
